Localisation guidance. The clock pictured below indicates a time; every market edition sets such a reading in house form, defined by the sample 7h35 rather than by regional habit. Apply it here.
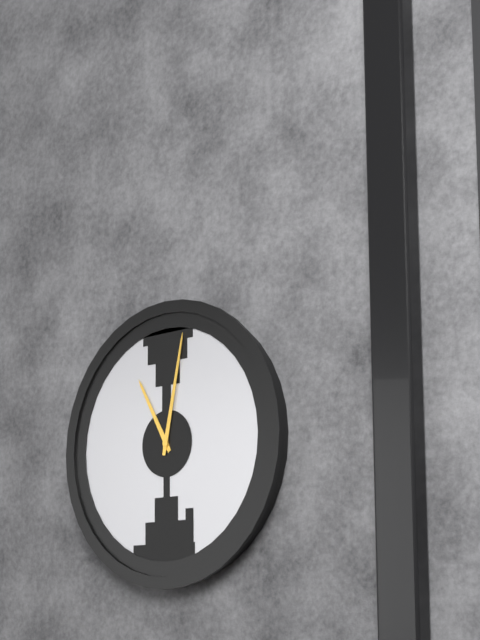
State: 11h02
